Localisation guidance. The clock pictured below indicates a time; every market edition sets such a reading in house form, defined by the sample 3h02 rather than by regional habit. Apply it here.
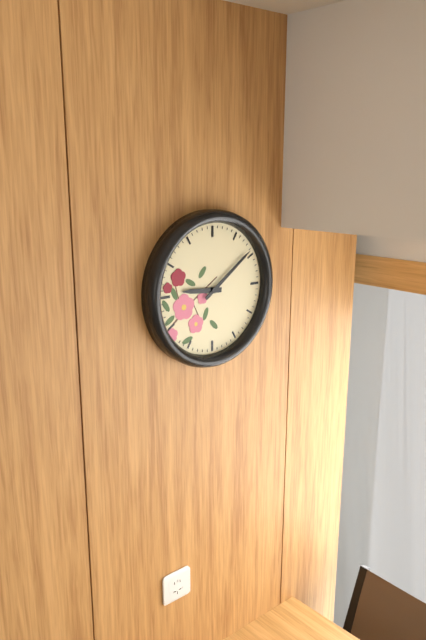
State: 9h09
